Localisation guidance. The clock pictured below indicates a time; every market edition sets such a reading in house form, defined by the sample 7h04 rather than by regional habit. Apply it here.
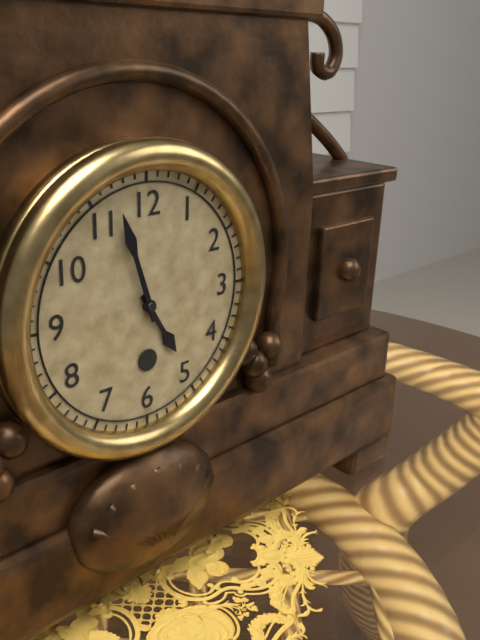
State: 4h57
